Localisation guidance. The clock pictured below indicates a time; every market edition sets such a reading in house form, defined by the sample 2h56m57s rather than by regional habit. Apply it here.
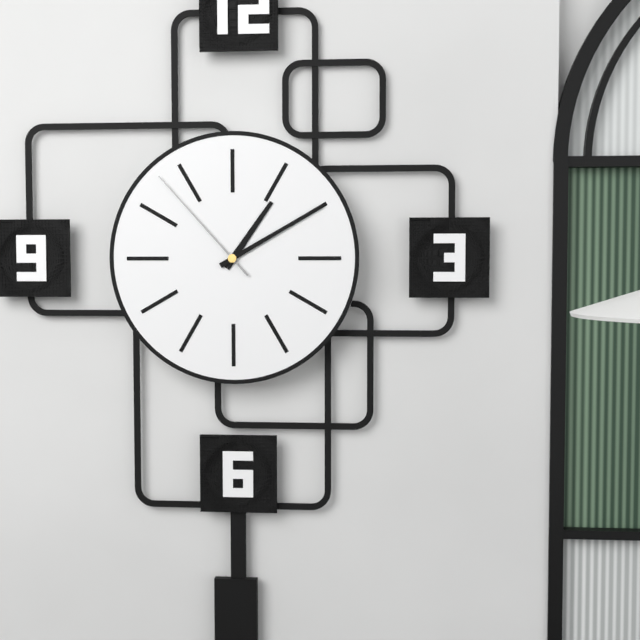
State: 1h10m53s
